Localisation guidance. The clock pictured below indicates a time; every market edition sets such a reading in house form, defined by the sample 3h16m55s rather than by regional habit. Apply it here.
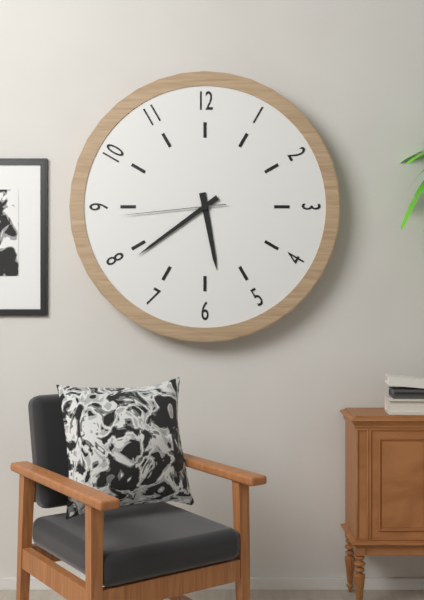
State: 5h39m44s
